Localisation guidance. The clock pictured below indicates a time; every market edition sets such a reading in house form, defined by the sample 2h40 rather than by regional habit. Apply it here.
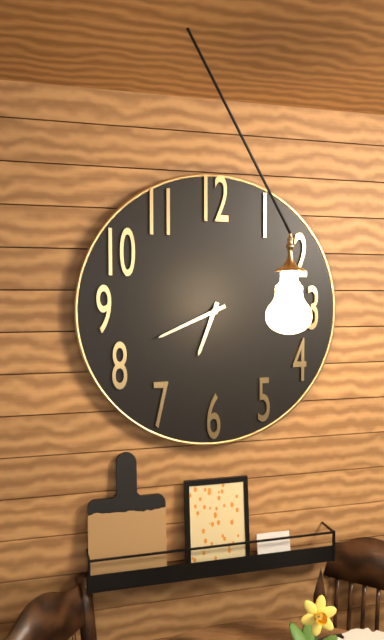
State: 6h41
